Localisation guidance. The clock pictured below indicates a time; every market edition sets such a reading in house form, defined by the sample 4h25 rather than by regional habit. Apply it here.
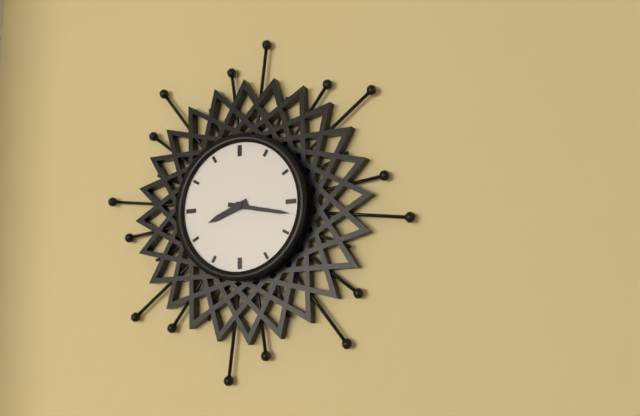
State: 8h17
